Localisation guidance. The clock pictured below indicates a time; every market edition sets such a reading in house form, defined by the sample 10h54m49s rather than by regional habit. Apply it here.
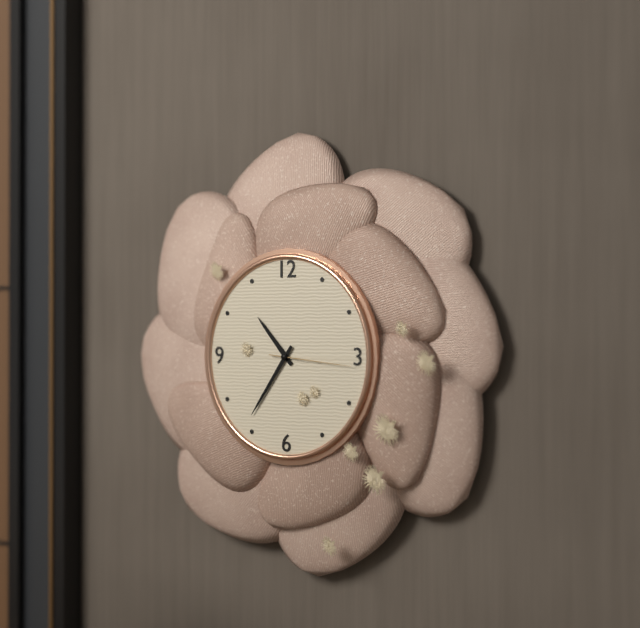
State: 10h36m16s
